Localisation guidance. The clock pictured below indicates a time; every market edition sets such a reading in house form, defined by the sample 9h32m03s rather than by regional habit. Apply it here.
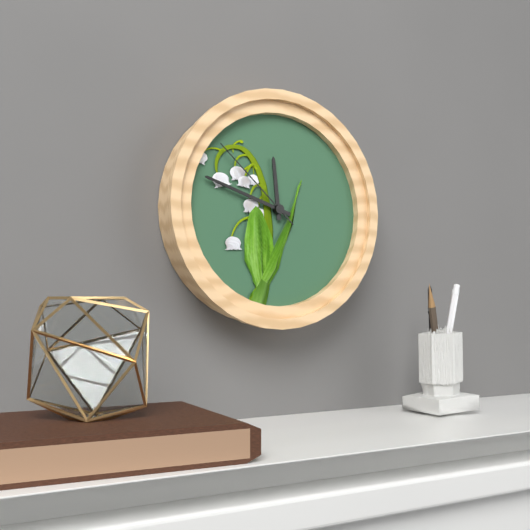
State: 11h48m52s
